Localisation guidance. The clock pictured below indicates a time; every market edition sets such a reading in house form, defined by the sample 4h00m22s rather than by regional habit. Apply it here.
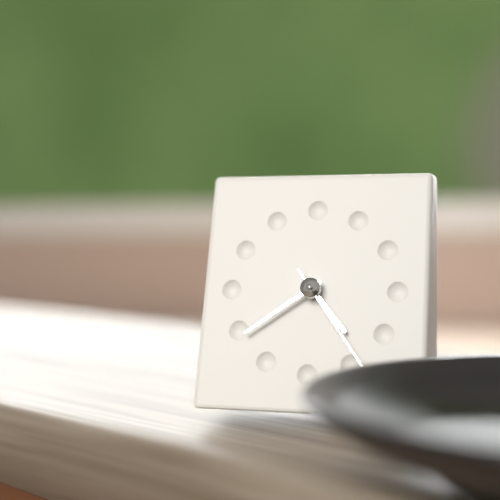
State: 4h39m24s
